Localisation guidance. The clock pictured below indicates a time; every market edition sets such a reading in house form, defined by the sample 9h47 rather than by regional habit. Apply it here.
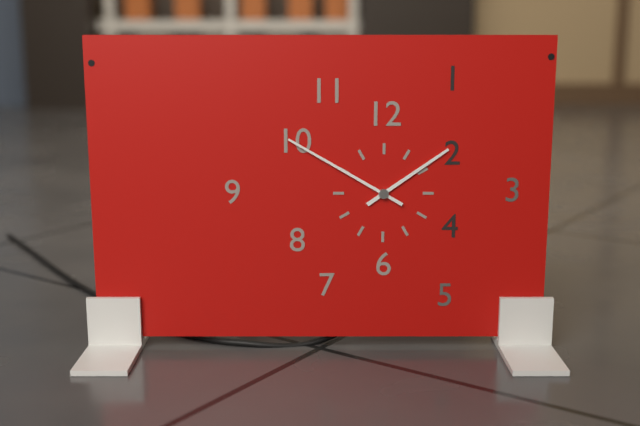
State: 1h50
